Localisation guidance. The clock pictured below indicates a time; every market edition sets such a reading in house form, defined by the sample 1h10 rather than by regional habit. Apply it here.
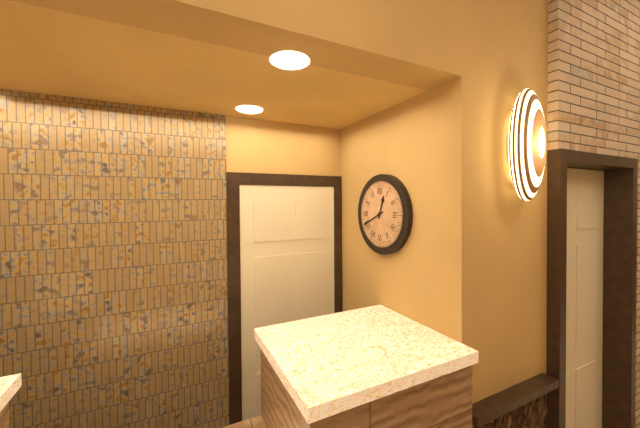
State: 12h41
